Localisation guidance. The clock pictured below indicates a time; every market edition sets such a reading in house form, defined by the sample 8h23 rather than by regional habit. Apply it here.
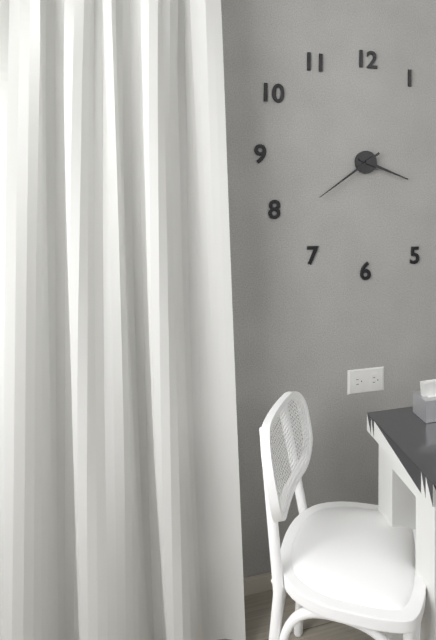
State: 3h39
